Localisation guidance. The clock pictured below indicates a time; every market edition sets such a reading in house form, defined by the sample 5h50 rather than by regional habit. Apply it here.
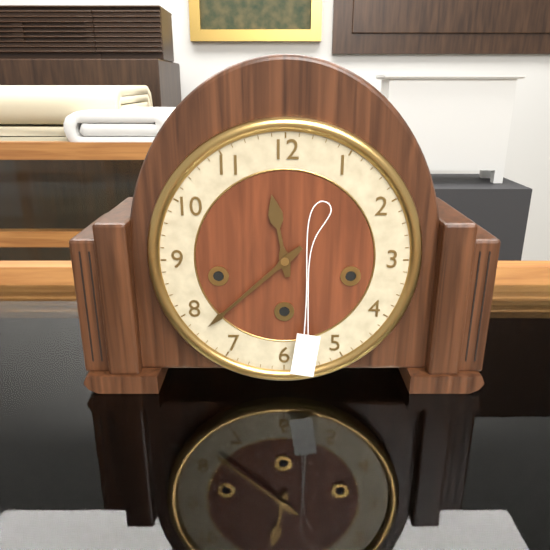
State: 11h38
